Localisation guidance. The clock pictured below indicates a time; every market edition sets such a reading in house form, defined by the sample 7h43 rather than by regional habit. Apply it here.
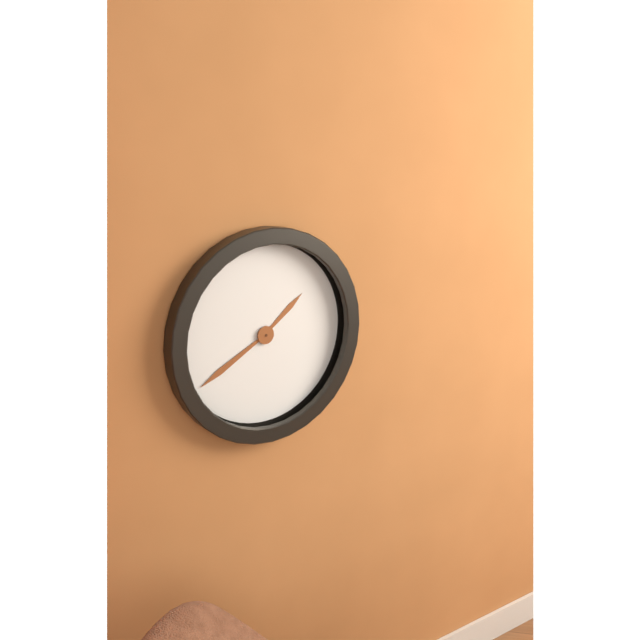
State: 1h40
